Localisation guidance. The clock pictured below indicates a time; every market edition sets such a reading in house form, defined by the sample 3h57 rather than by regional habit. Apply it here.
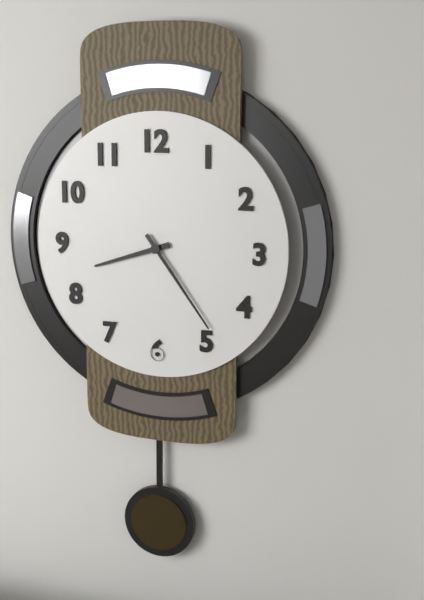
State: 8h24
